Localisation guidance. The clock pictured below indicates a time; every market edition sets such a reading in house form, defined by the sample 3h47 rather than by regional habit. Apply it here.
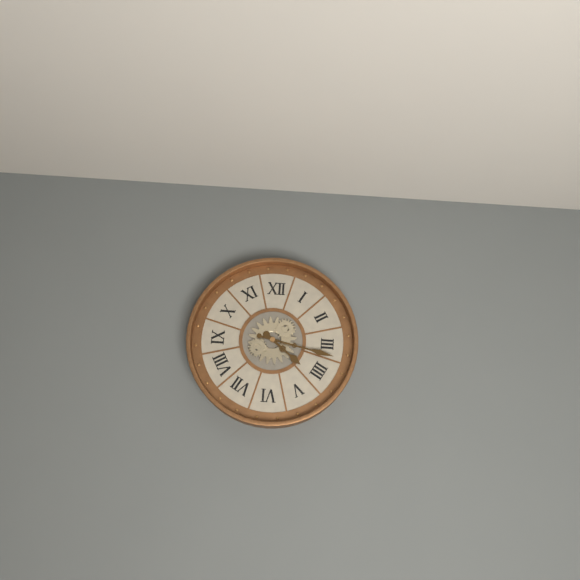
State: 4h17
